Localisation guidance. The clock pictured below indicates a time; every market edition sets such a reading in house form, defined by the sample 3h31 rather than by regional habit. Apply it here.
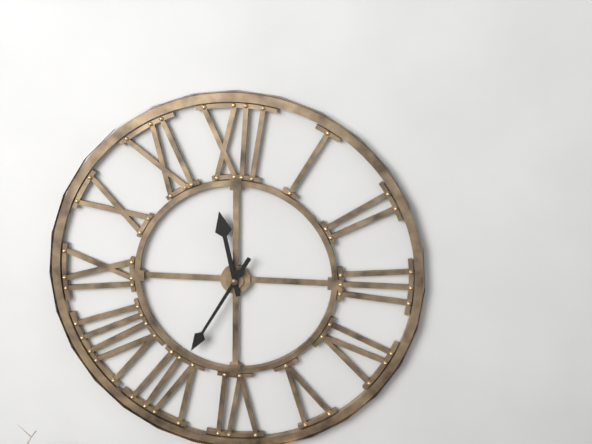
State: 11h35
